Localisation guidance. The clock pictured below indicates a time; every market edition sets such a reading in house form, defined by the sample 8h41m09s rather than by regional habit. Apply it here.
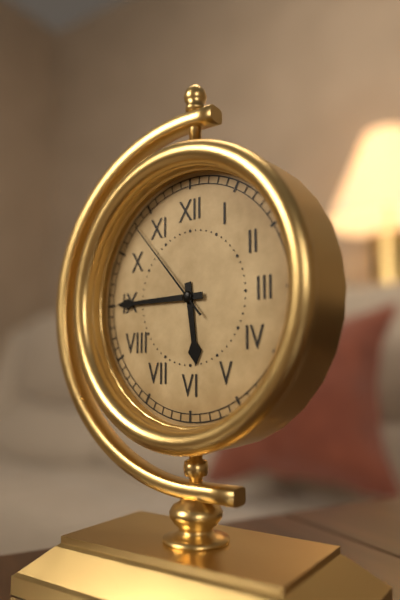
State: 5h45m53s
